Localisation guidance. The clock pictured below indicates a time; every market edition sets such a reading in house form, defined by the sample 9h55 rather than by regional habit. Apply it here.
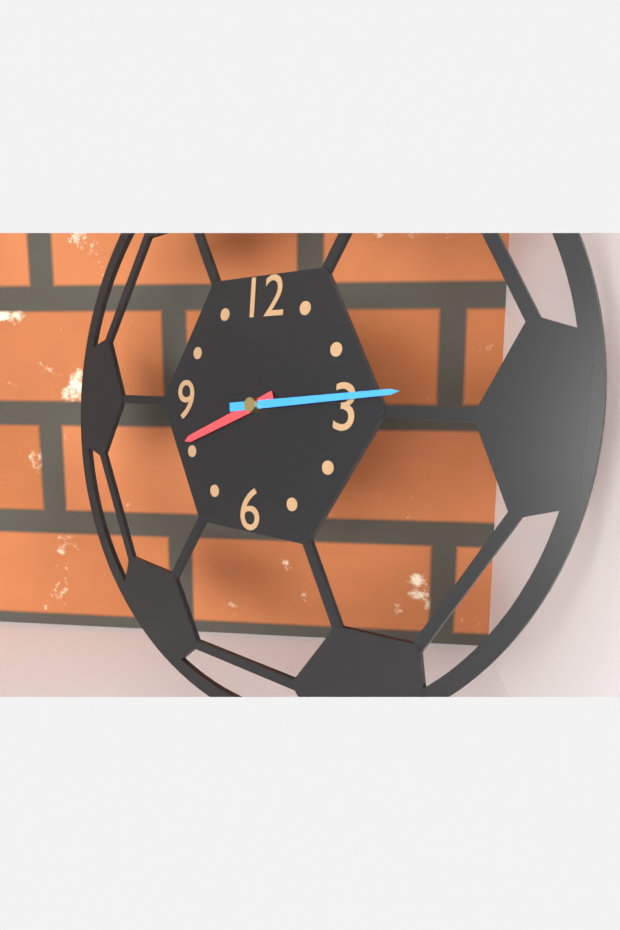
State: 8h14
